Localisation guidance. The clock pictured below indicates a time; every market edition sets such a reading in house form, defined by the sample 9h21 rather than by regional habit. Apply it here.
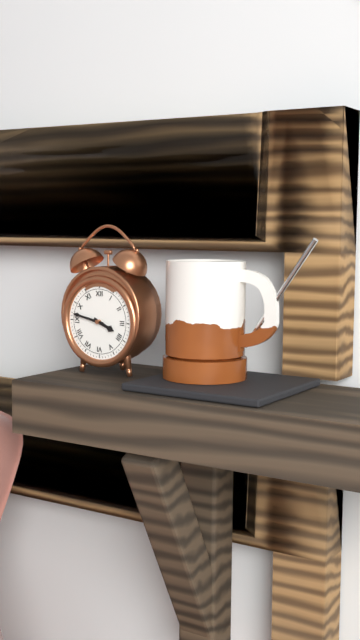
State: 3h47
